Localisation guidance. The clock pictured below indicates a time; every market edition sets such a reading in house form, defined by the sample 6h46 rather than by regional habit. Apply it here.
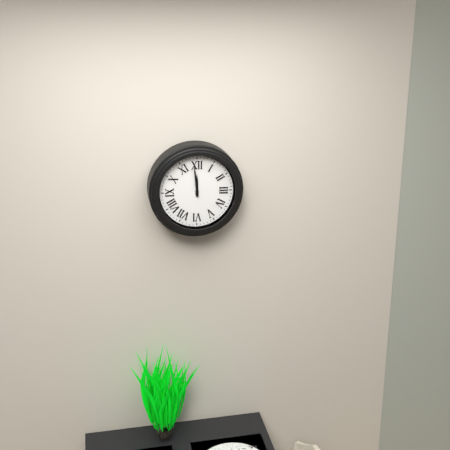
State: 11h59
